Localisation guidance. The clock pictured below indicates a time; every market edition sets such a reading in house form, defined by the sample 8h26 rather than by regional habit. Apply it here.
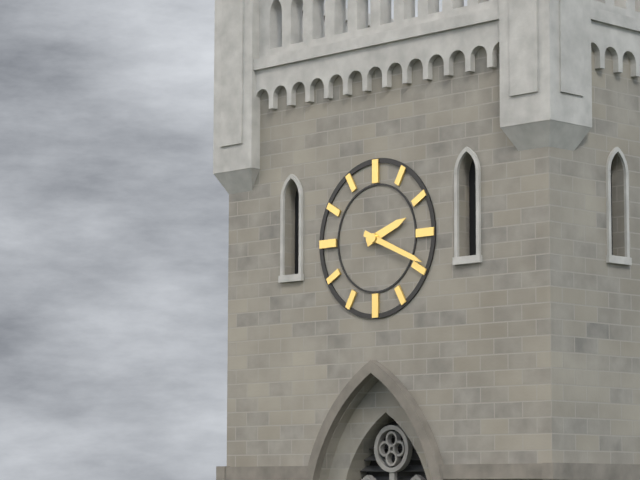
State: 2h19
